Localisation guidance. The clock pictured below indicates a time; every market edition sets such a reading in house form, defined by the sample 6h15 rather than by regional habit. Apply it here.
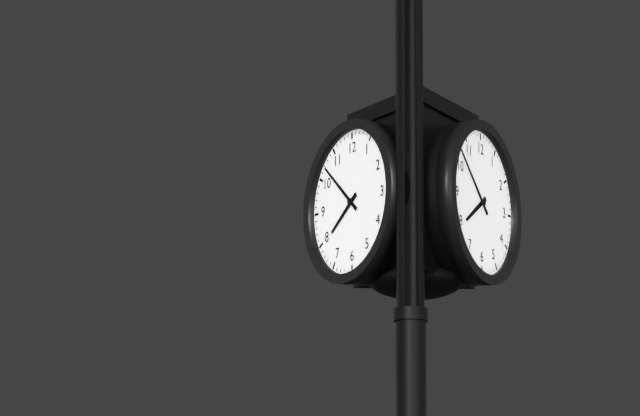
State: 7h52
